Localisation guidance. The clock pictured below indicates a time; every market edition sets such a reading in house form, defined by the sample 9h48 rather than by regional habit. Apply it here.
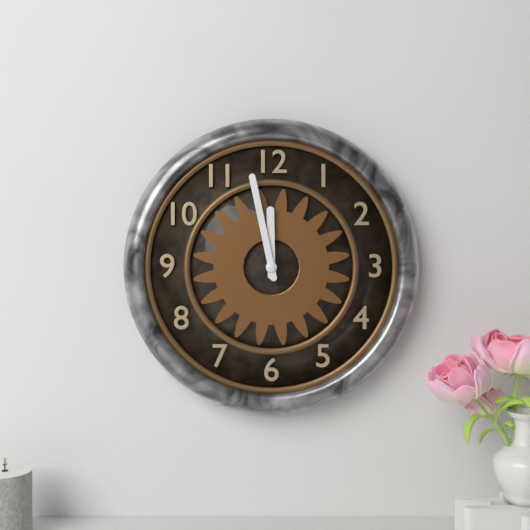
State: 11h58
